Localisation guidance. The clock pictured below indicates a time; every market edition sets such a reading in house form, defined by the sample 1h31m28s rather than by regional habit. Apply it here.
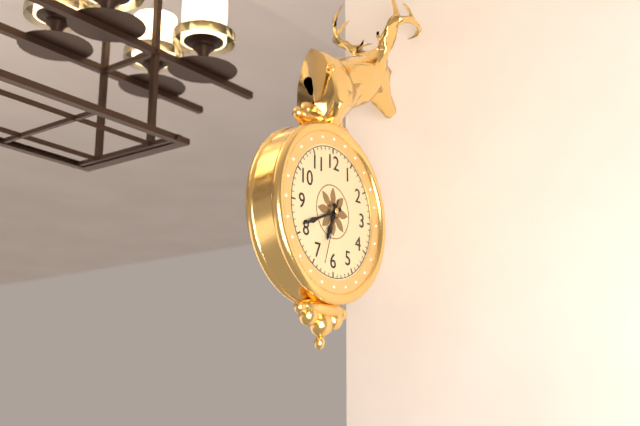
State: 6h41m33s
